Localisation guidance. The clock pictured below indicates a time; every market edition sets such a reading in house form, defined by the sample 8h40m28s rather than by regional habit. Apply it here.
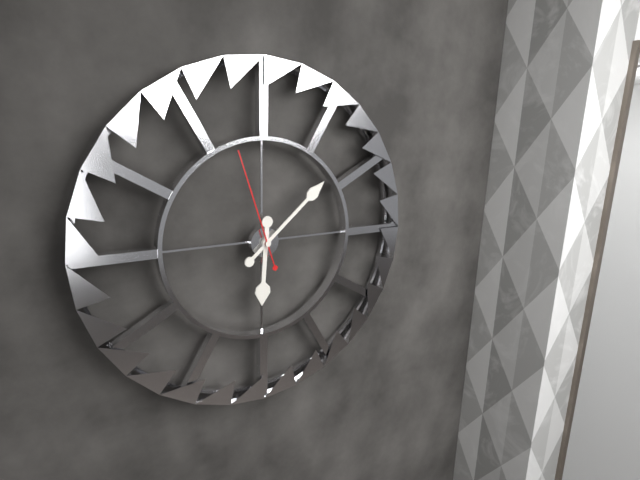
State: 6h08m57s
